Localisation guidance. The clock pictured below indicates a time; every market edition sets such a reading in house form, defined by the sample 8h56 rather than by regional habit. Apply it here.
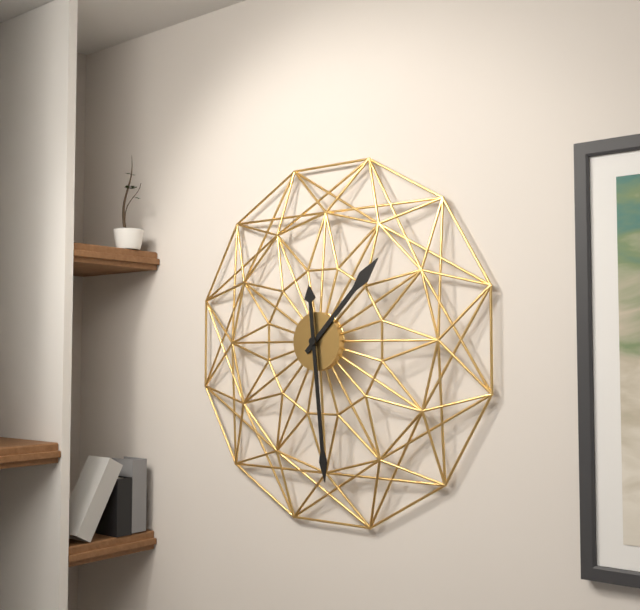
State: 1h29
